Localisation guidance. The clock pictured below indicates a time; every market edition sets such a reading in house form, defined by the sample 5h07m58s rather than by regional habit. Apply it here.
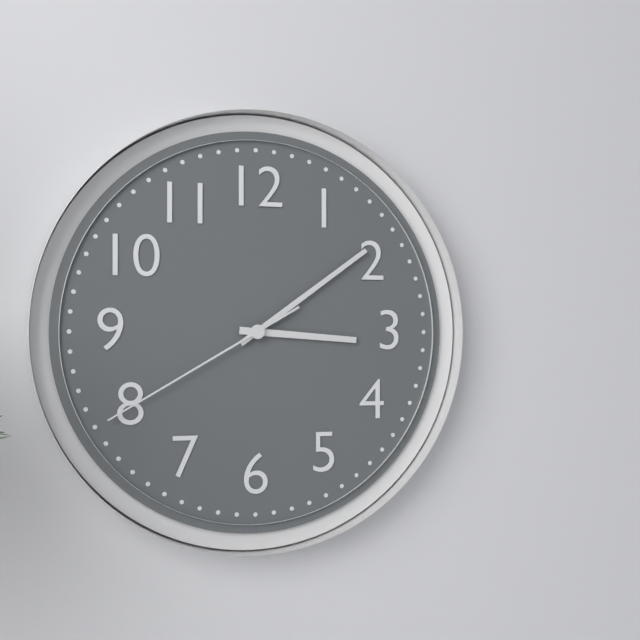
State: 3h09m40s
